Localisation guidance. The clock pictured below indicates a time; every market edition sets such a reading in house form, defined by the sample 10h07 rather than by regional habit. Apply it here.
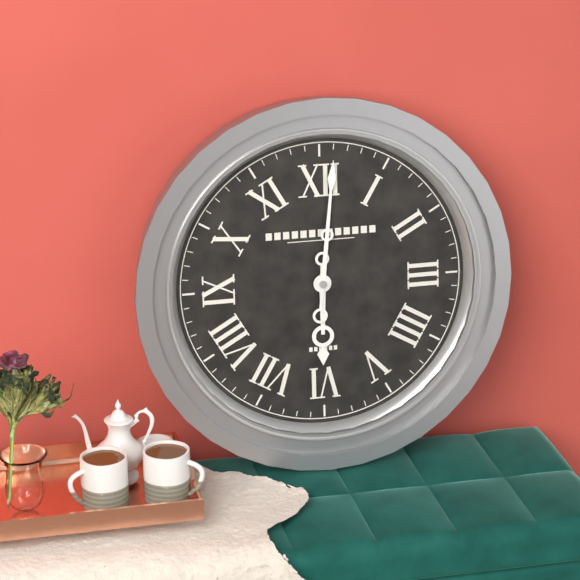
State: 6h01
